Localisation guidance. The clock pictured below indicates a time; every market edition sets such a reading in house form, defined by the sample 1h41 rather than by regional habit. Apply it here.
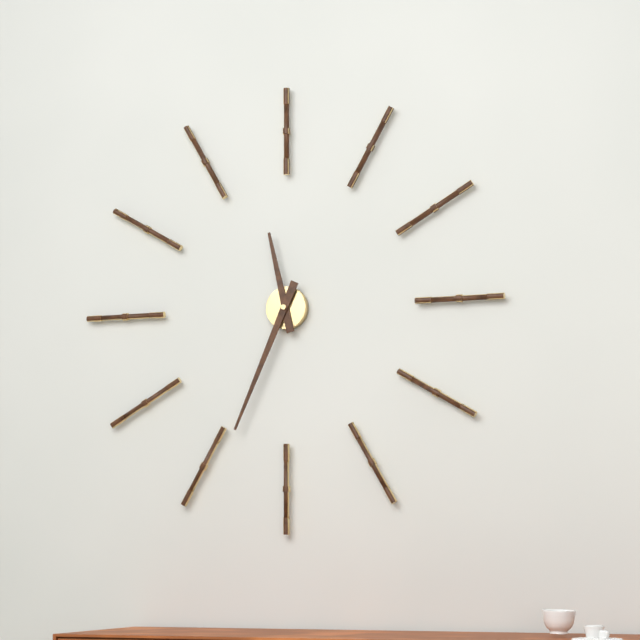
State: 11h34
